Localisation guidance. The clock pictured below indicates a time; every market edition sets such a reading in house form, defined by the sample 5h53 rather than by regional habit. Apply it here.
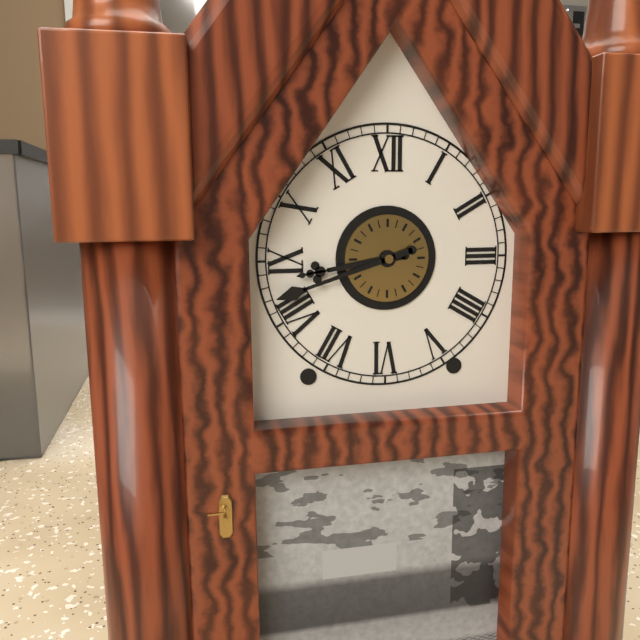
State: 8h42
